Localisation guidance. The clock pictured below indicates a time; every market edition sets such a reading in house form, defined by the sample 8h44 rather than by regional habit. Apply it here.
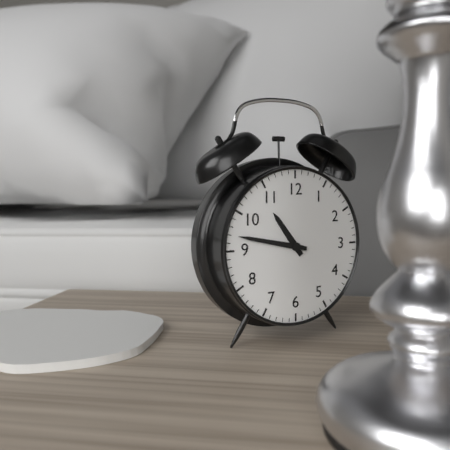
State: 10h47
